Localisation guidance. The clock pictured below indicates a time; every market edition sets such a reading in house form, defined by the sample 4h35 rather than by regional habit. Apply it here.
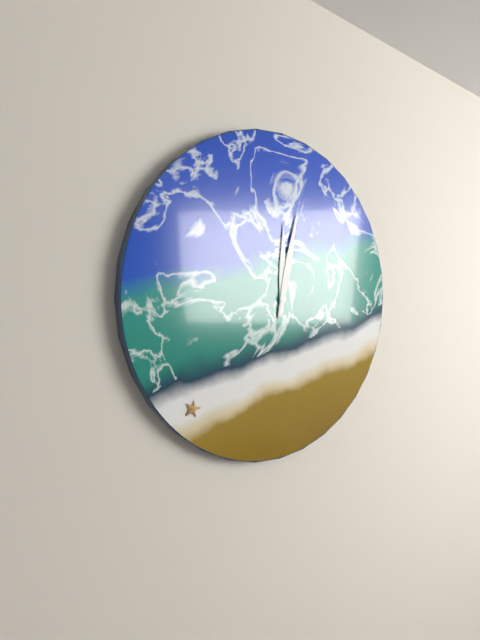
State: 12h02
